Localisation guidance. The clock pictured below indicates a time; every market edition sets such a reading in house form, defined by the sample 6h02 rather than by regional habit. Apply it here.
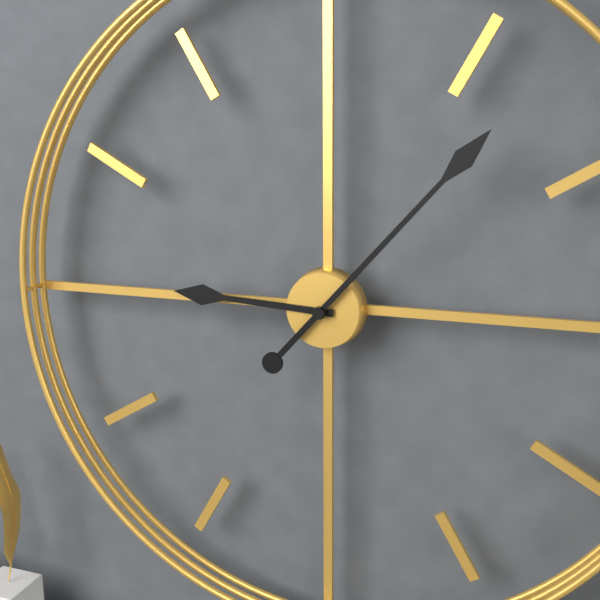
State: 9h07
